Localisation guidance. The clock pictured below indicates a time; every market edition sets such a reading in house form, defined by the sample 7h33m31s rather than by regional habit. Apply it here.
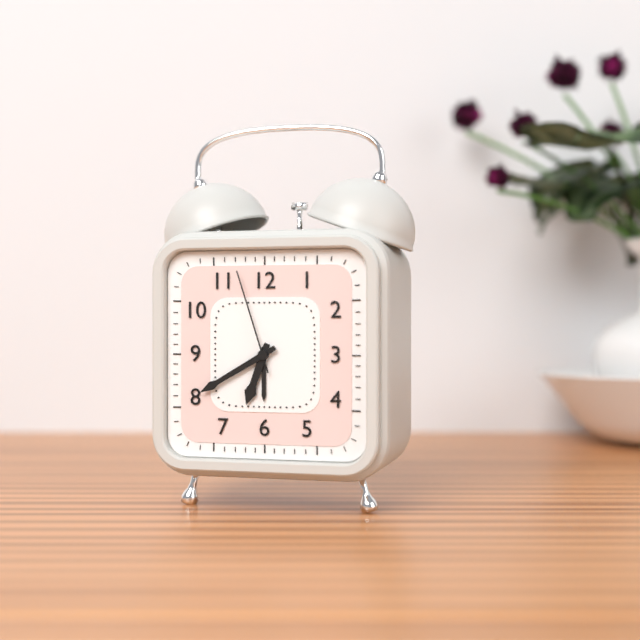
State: 6h40m57s
